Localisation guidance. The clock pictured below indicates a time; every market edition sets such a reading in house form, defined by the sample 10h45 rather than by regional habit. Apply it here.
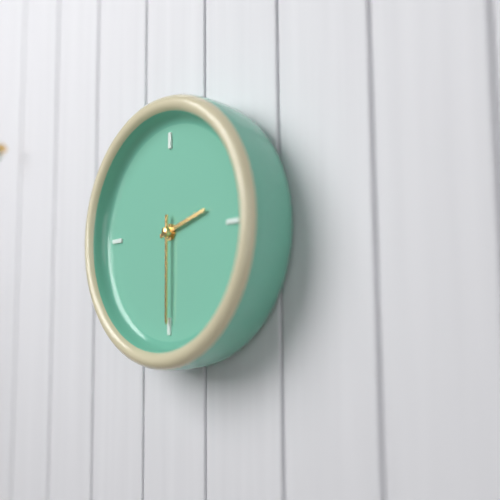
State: 2h30
